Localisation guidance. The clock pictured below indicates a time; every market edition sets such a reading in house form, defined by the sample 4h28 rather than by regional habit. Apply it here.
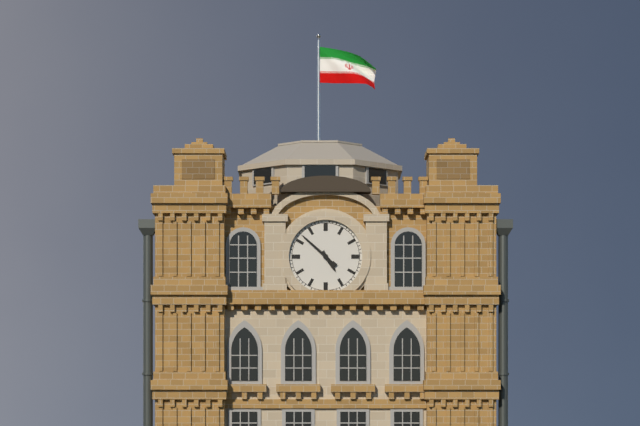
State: 4h52
